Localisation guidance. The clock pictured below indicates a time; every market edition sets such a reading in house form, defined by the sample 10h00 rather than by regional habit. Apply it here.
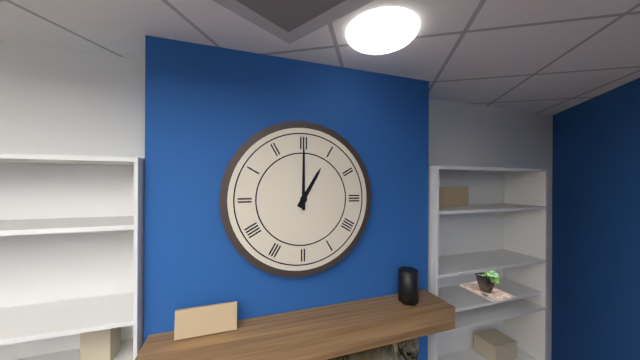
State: 1h00
